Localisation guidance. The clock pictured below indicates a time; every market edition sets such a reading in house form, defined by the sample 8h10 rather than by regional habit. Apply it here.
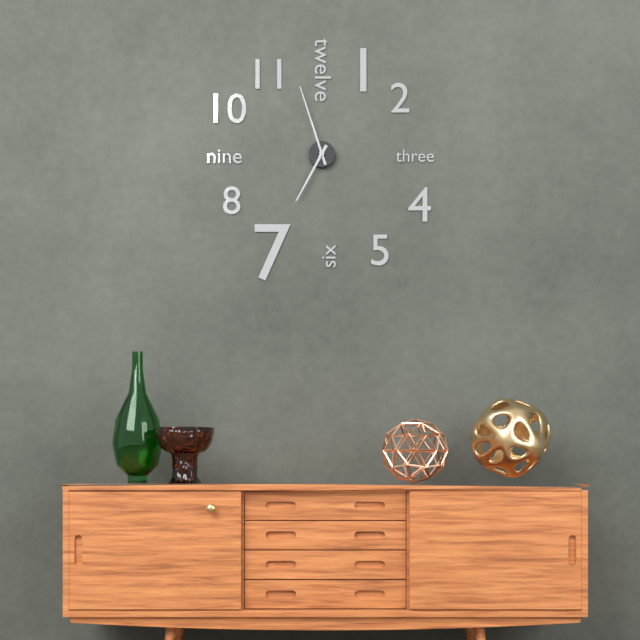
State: 6h57
